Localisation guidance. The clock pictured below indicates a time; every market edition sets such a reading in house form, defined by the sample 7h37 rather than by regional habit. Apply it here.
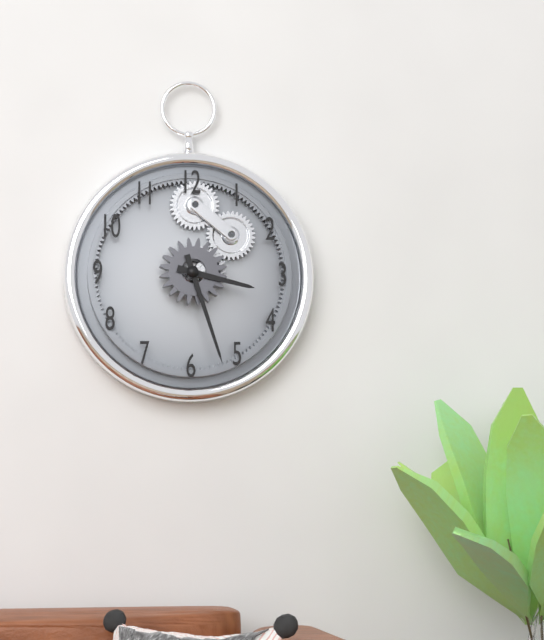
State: 3h27
